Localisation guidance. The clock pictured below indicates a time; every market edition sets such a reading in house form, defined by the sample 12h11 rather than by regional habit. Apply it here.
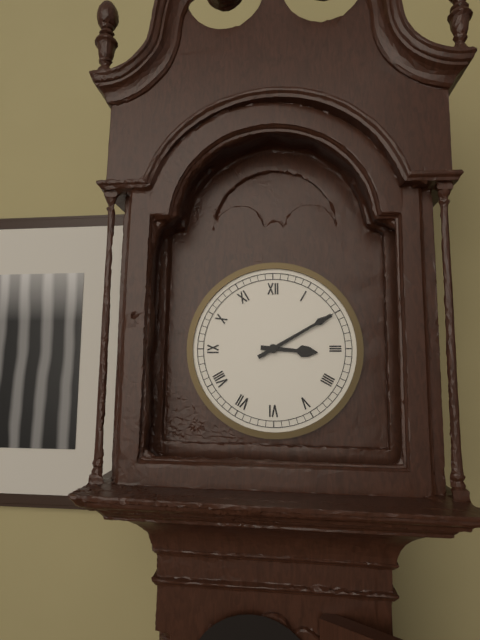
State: 3h10
